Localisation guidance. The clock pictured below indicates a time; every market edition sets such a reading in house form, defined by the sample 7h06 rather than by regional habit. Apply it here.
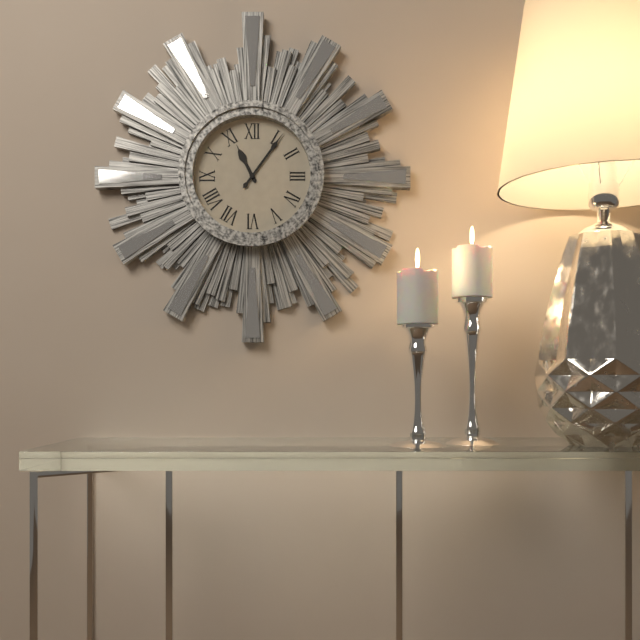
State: 11h06
